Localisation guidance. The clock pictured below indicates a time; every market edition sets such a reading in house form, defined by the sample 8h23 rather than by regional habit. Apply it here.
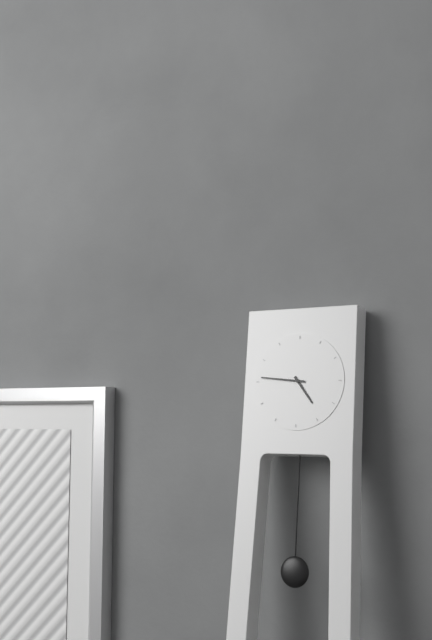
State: 4h46
